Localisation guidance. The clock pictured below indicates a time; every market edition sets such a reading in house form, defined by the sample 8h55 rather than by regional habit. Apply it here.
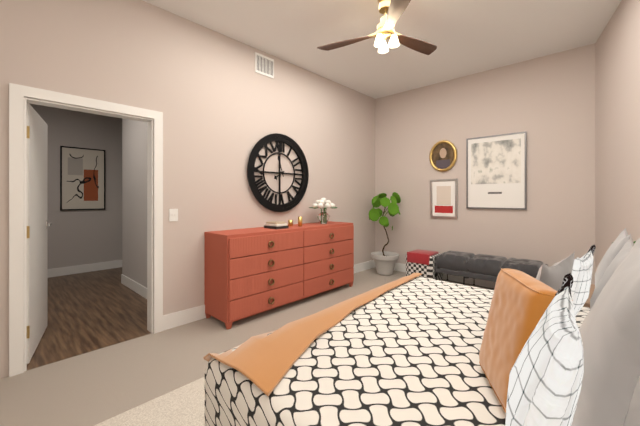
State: 7h57
